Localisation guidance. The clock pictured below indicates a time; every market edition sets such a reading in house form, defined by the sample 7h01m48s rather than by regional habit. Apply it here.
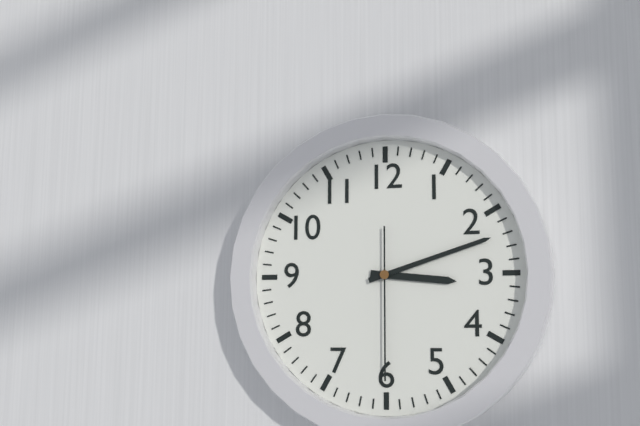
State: 3h12m30s
